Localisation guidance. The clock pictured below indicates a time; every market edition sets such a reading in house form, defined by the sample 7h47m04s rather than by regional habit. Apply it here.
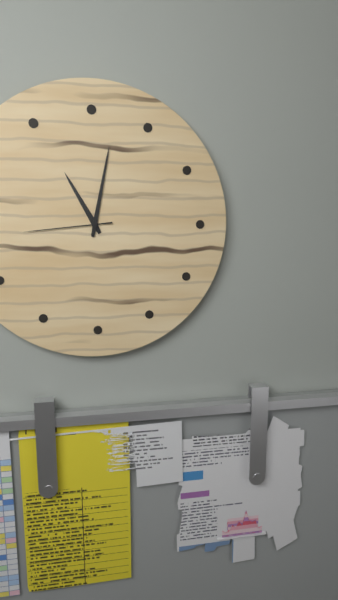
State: 11h02m44s
